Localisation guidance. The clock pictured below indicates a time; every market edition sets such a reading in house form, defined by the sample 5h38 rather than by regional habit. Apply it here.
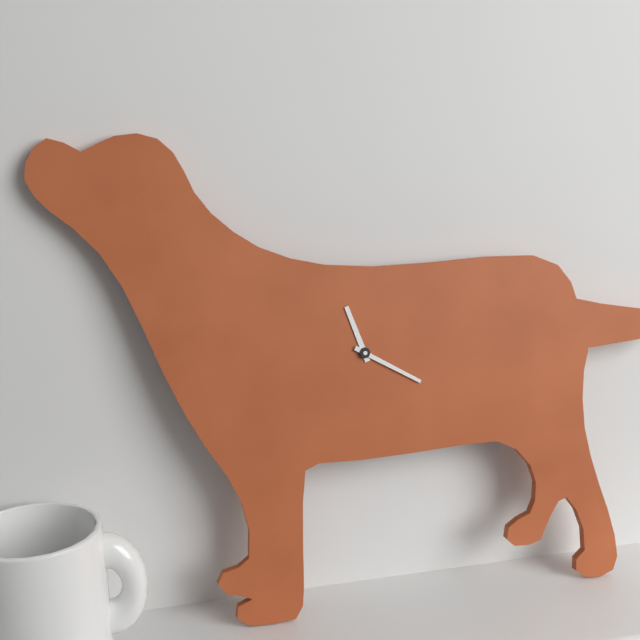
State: 11h20
